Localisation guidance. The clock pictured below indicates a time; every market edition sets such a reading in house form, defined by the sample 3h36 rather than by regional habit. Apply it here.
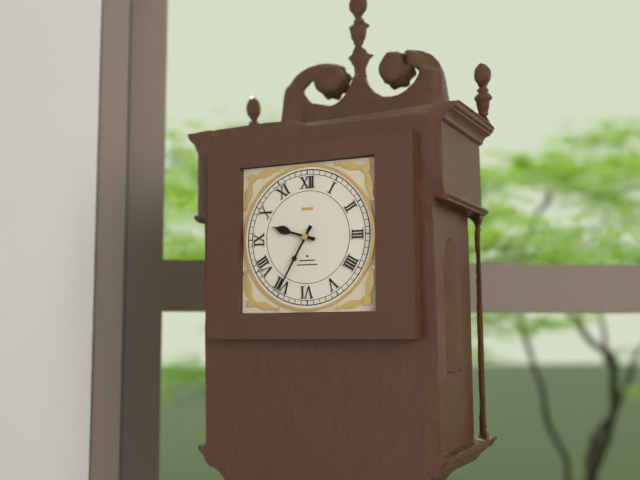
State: 9h35
